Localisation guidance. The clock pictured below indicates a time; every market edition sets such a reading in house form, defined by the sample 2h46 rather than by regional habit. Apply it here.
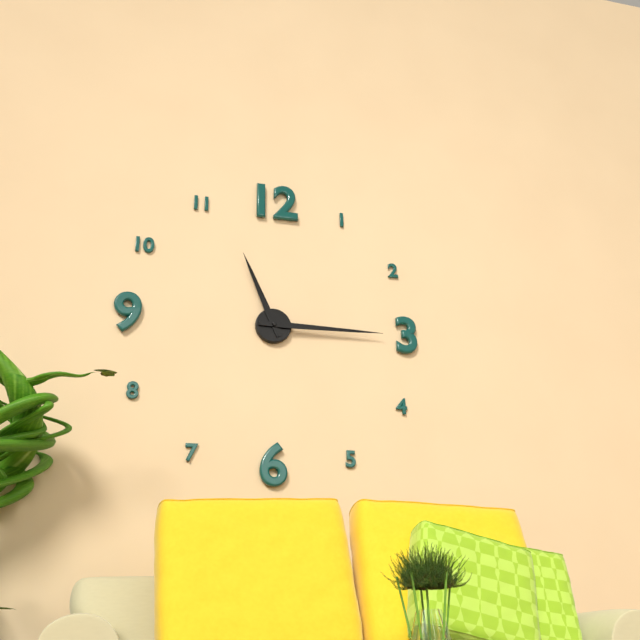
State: 11h15
